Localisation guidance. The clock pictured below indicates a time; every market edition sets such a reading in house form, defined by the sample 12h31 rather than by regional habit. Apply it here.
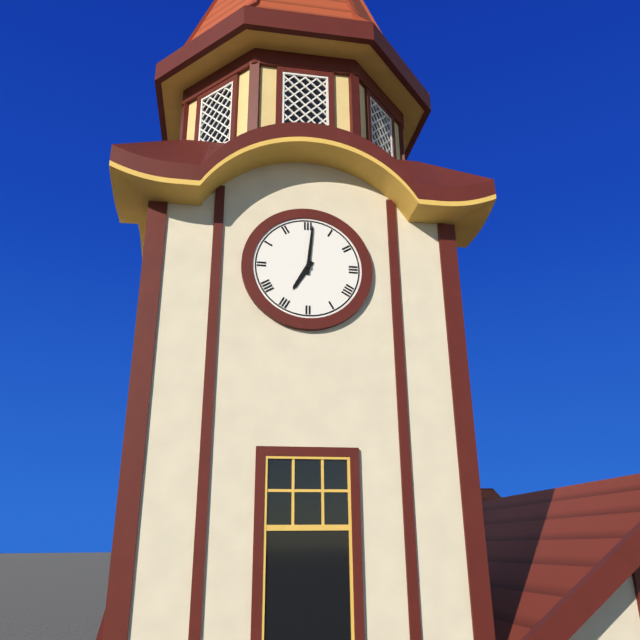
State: 7h01
